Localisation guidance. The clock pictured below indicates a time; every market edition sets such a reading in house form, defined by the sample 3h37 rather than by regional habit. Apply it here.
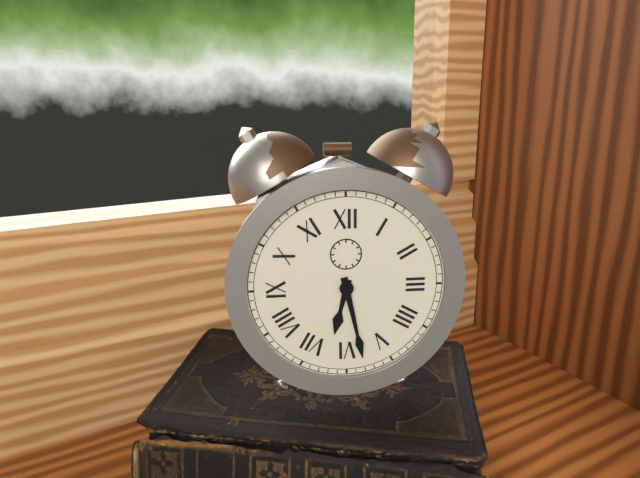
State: 6h28
